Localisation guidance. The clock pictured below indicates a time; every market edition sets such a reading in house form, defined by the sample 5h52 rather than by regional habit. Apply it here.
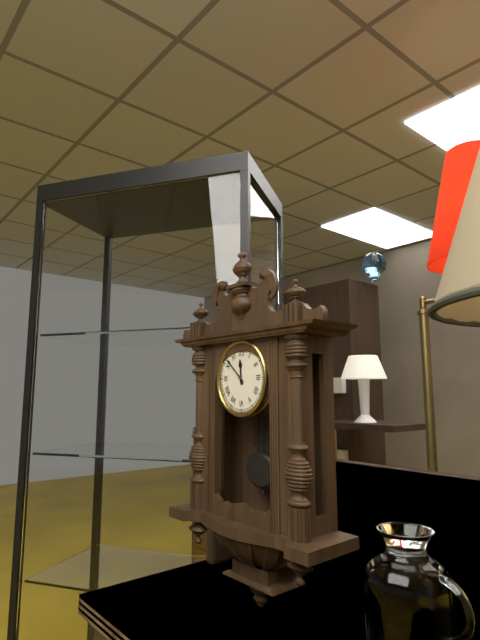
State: 11h52
